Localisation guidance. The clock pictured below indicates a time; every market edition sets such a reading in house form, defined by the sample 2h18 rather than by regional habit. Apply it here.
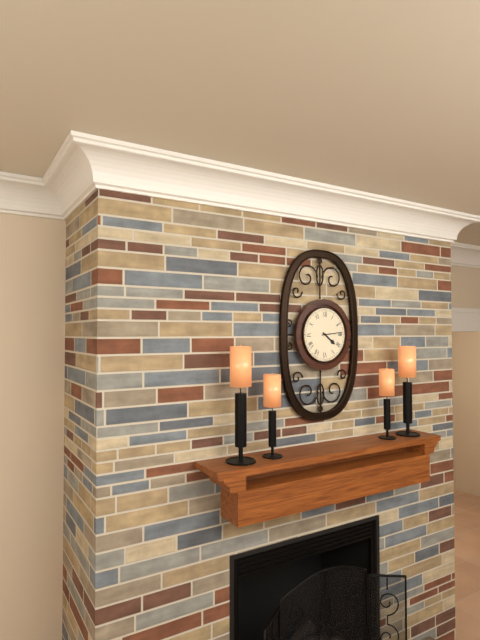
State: 4h14
